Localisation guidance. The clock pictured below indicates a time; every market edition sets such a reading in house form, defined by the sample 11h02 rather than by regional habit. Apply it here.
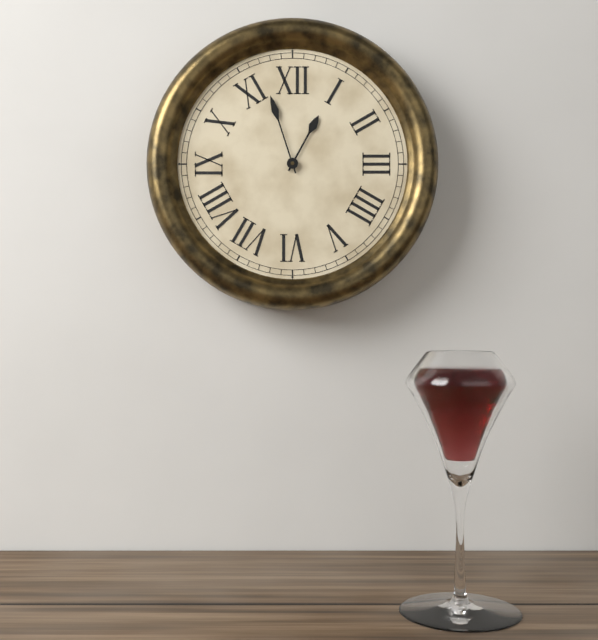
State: 12h57
